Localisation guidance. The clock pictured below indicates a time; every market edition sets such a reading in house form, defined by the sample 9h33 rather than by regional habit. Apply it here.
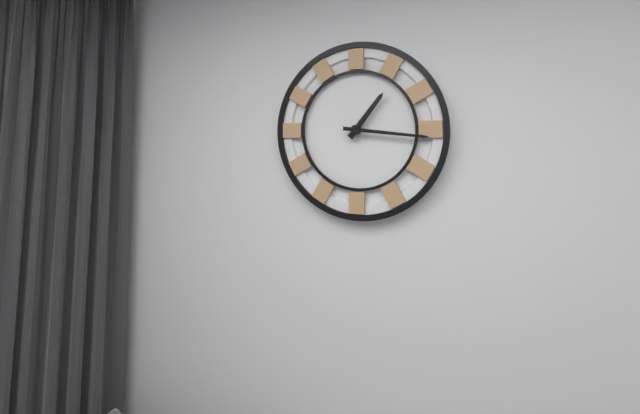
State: 1h16
